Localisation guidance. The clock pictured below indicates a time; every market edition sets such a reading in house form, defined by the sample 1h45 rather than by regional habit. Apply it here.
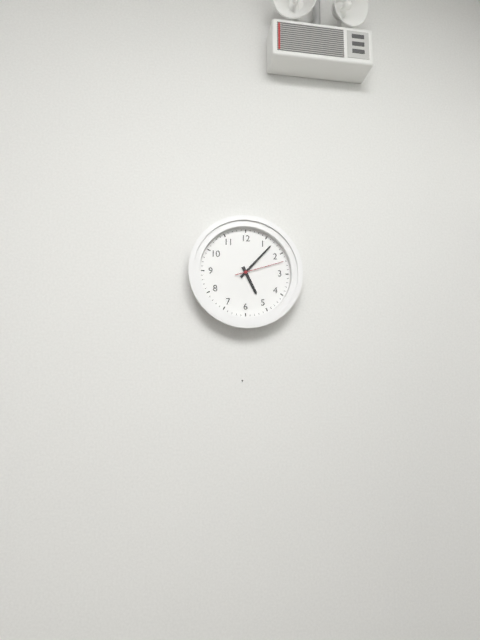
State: 5h07
